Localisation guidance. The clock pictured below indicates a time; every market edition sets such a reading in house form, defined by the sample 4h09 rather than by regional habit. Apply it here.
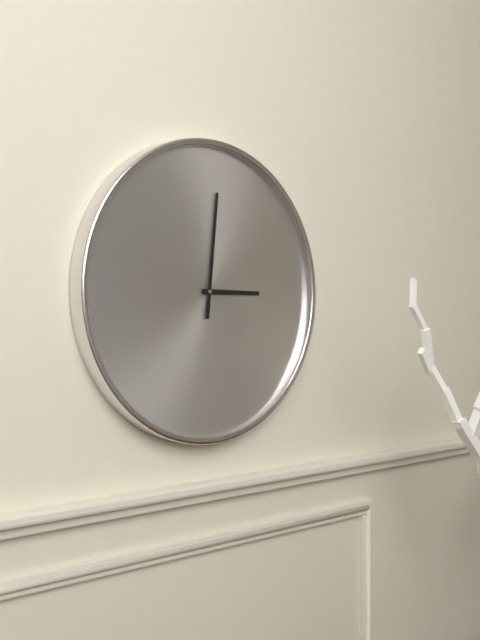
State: 3h01
